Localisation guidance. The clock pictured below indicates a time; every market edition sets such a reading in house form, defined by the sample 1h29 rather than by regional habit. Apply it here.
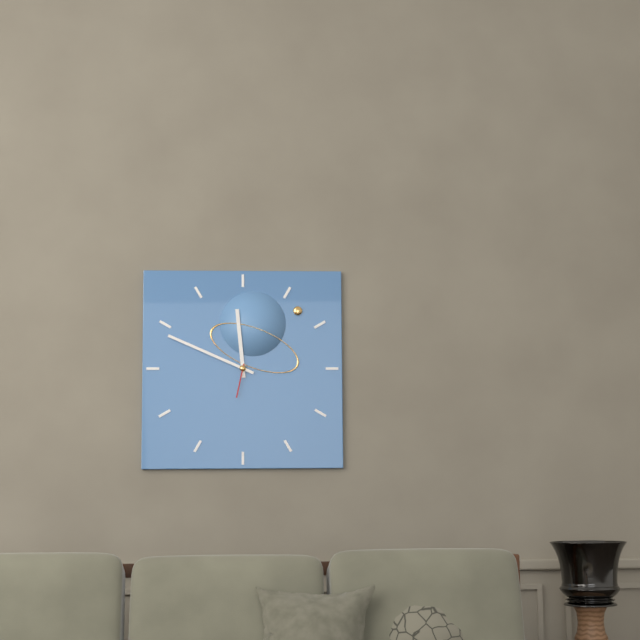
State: 11h49
